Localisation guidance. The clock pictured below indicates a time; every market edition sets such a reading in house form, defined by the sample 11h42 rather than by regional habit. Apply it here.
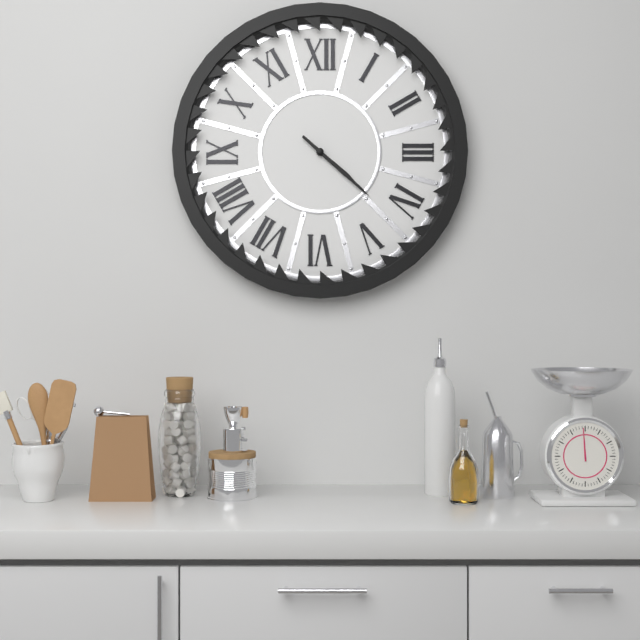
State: 4h22
